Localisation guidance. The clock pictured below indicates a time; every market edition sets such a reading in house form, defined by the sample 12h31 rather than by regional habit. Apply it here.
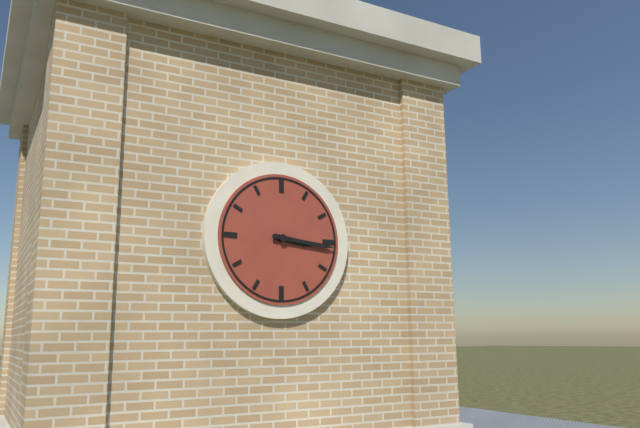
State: 3h16
